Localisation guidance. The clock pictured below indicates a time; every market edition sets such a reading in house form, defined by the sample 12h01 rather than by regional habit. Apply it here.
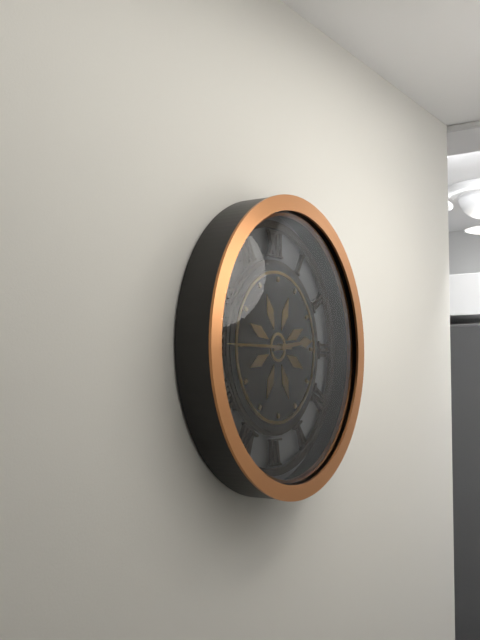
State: 2h45
